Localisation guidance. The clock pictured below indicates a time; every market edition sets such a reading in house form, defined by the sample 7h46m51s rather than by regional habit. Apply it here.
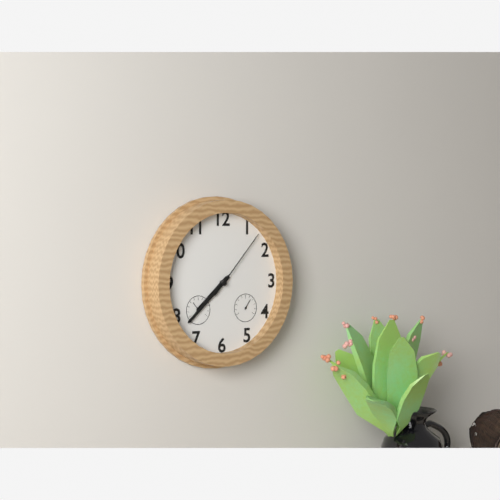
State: 7h38m07s
